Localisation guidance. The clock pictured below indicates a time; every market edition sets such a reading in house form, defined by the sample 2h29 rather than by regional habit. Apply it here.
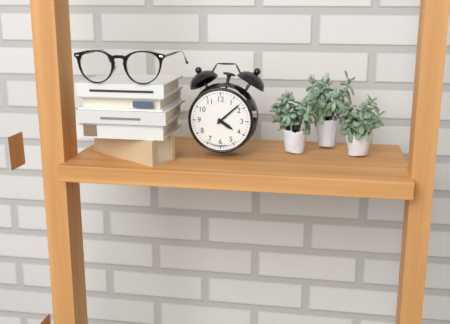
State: 4h08
